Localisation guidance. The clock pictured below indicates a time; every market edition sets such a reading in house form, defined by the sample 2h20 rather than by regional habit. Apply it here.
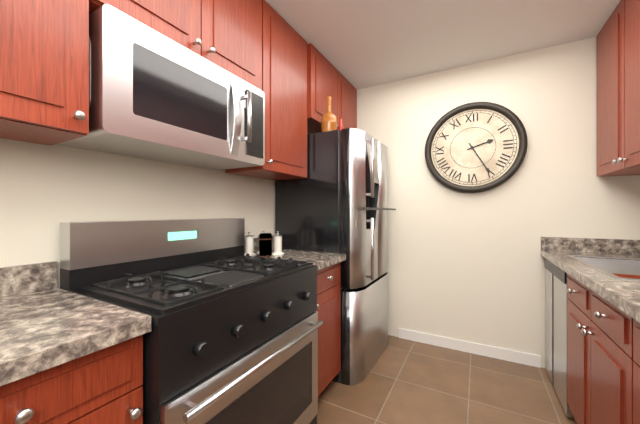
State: 2h25
